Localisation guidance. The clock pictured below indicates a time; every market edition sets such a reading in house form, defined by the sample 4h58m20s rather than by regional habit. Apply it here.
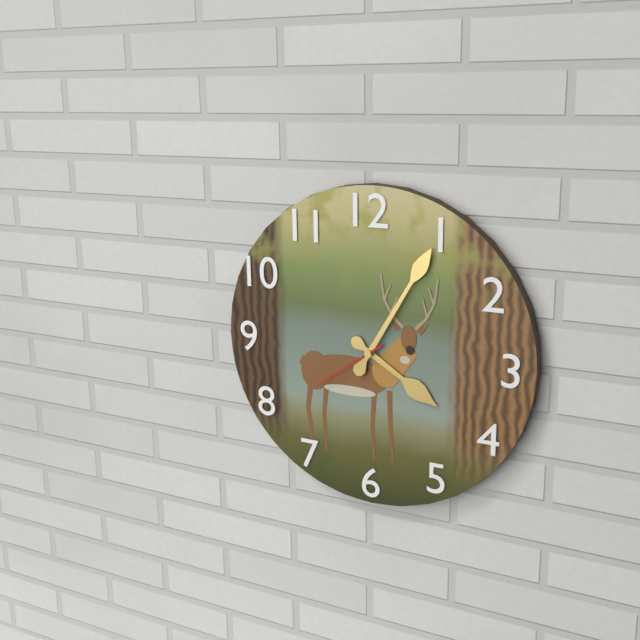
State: 4h05m39s
